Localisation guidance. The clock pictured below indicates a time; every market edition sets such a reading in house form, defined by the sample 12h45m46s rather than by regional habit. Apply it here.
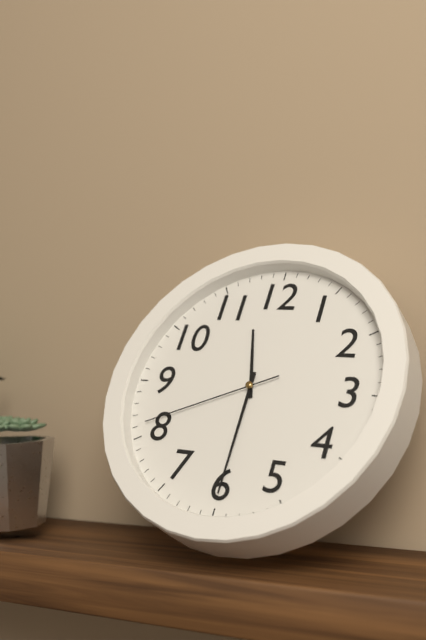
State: 11h30m41s
